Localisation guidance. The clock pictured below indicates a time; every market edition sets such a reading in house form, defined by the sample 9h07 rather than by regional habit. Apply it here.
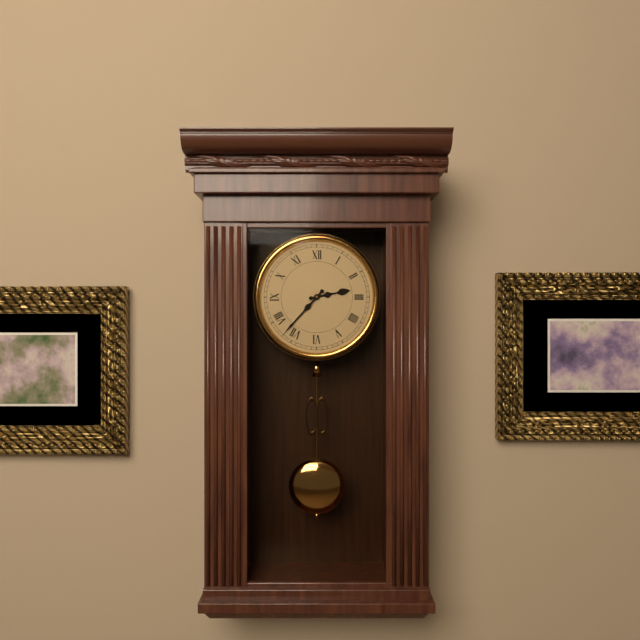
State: 2h37
